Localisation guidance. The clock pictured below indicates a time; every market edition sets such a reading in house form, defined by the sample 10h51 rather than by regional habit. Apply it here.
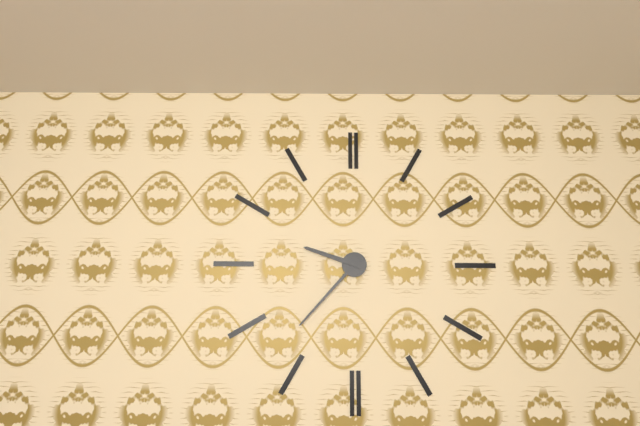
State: 9h37
